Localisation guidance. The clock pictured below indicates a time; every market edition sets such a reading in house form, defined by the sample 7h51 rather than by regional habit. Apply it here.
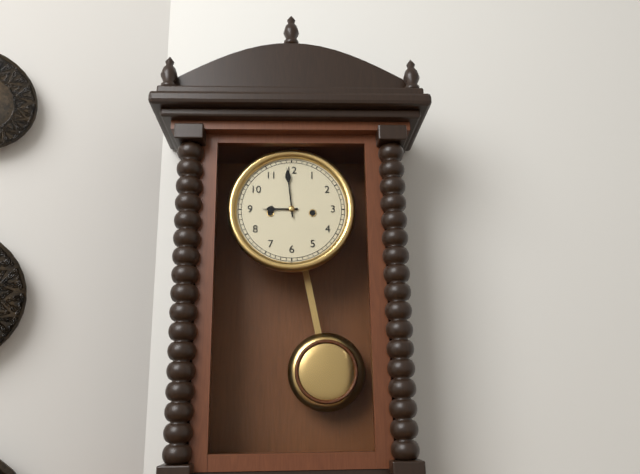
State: 8h59
